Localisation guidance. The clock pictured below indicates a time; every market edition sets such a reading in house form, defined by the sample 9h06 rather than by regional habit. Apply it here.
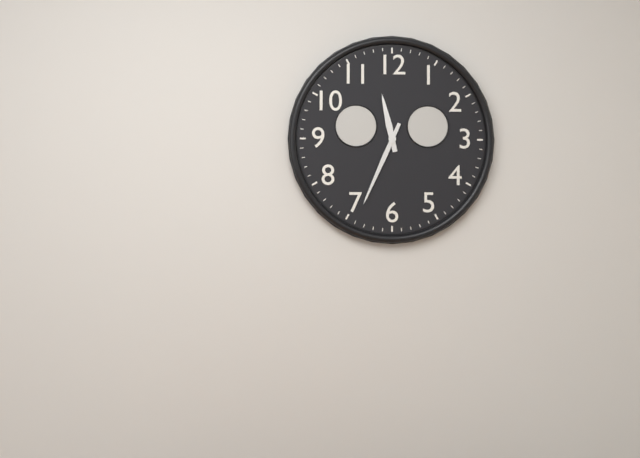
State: 11h34
